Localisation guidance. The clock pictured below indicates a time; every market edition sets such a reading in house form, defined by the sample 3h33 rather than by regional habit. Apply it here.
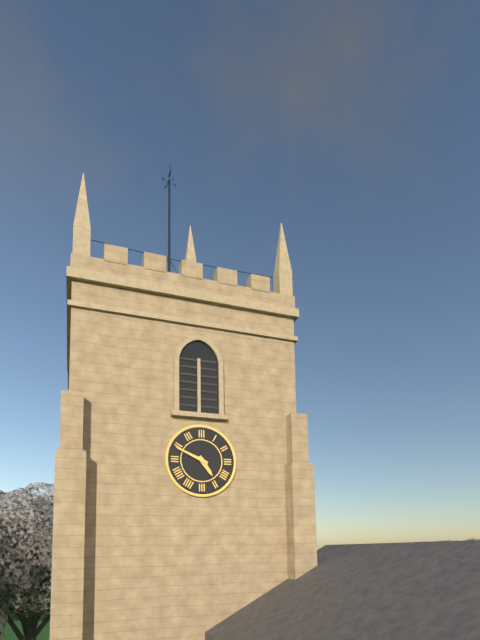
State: 4h49
